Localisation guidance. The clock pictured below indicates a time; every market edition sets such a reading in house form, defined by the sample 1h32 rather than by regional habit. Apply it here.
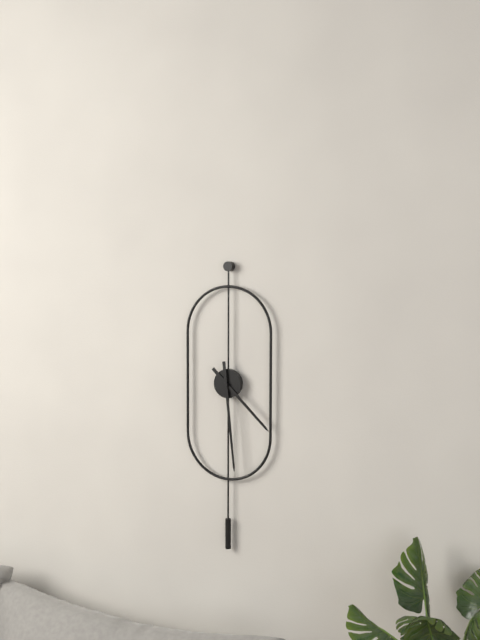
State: 4h29
